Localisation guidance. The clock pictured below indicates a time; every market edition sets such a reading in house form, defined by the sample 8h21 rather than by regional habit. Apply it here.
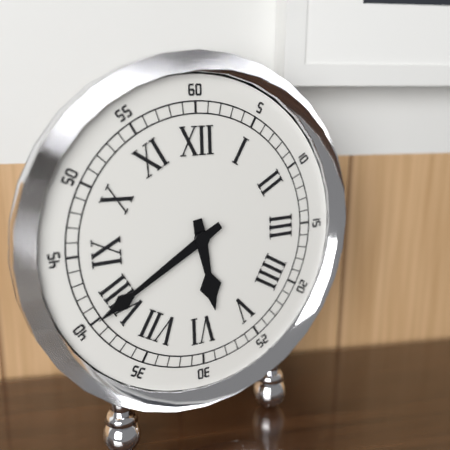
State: 5h40
